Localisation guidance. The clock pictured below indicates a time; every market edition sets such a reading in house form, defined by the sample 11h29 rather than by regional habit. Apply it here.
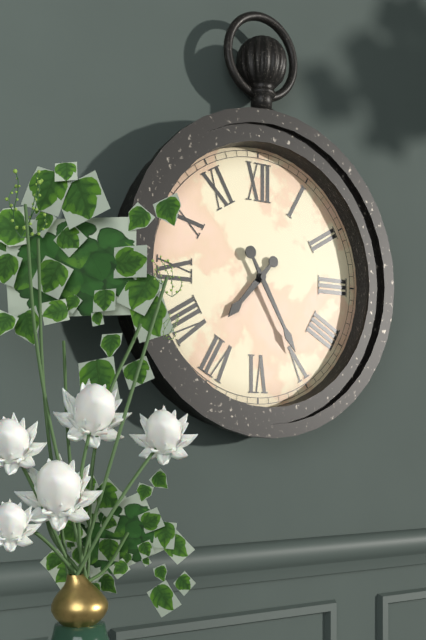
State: 7h25
